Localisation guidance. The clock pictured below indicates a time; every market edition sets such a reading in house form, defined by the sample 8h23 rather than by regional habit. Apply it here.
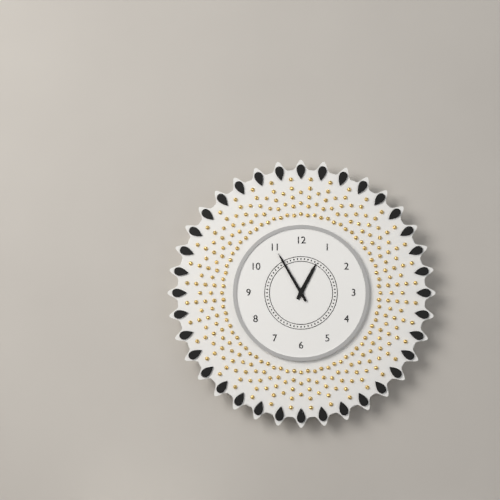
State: 12h55
